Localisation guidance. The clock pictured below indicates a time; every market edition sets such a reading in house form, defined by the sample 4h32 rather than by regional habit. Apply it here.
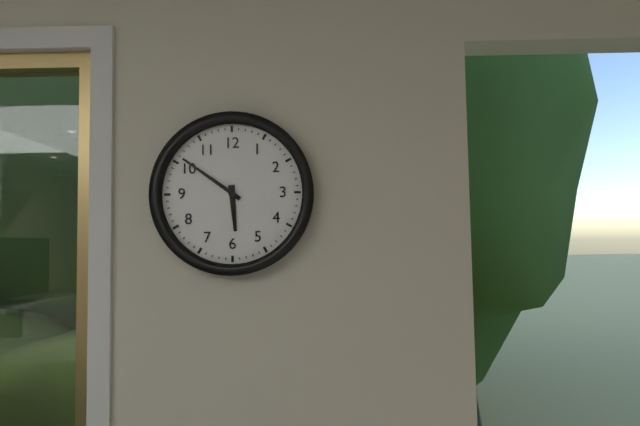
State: 5h51
